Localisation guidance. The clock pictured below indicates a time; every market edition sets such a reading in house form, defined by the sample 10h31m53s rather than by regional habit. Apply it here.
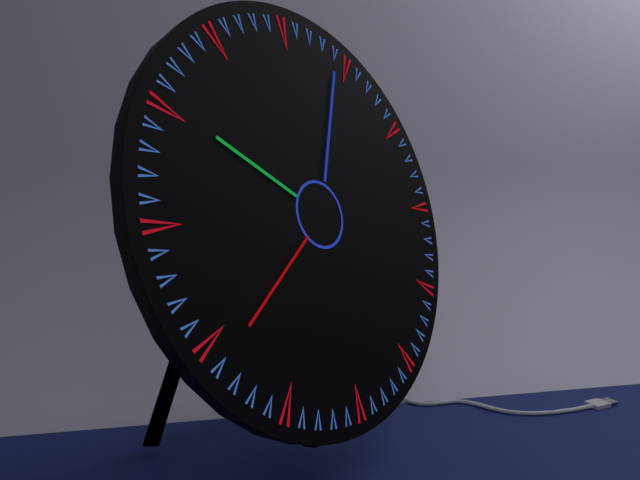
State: 10h04m39s
